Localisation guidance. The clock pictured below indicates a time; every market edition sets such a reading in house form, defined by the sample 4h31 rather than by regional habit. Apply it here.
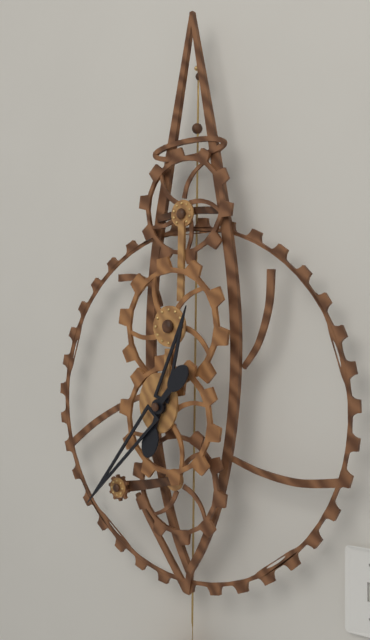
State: 12h37
